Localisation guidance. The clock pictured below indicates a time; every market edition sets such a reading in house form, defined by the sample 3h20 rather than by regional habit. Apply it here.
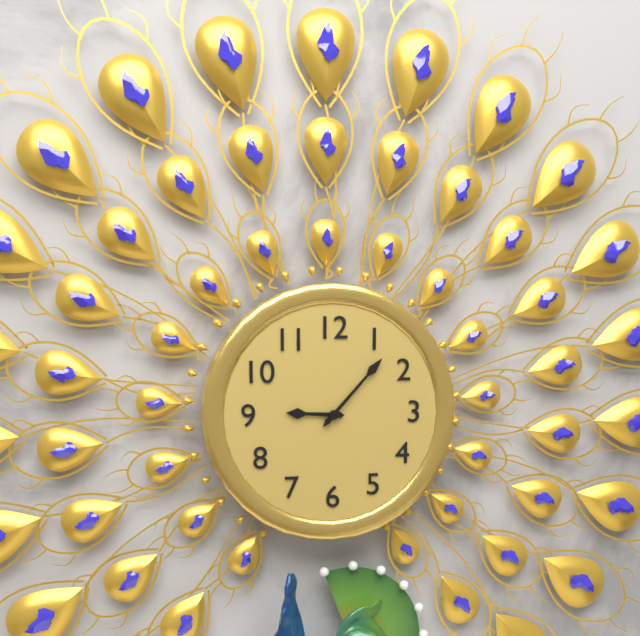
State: 9h07
